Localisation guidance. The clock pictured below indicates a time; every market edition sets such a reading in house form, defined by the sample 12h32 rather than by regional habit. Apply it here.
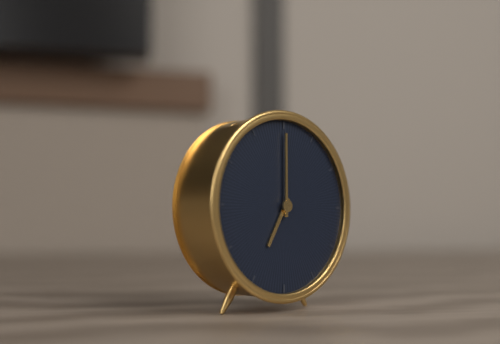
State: 7h00
